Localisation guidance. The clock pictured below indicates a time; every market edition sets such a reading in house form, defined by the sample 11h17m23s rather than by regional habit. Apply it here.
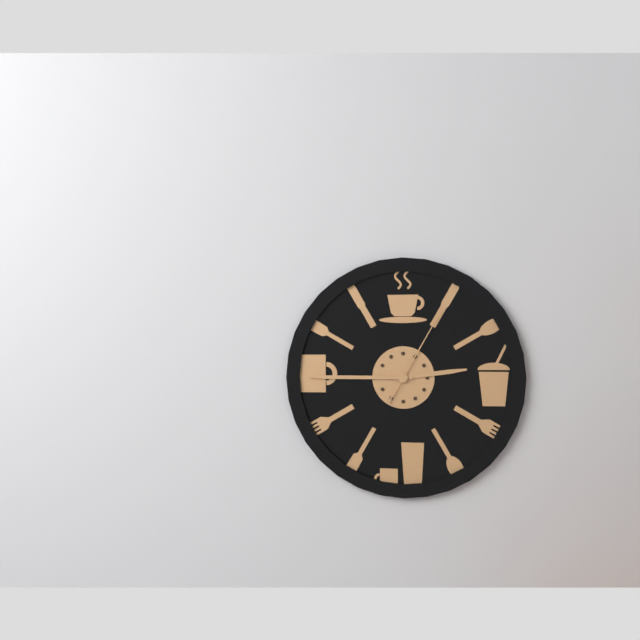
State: 2h45m05s
